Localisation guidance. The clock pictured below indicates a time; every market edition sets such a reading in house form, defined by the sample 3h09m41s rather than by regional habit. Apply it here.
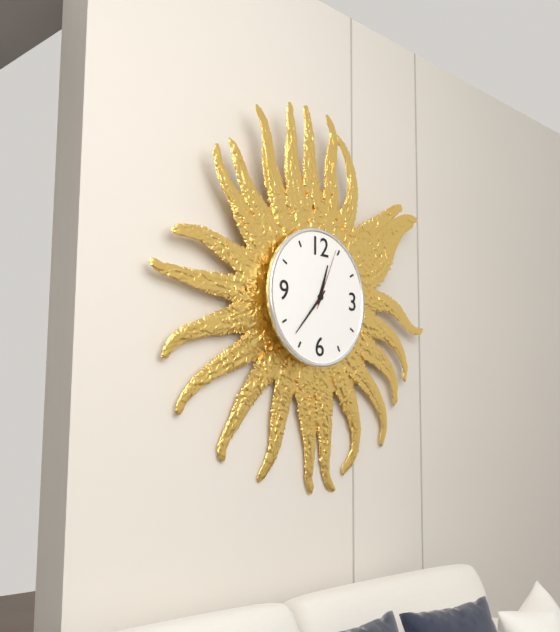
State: 12h37m04s
